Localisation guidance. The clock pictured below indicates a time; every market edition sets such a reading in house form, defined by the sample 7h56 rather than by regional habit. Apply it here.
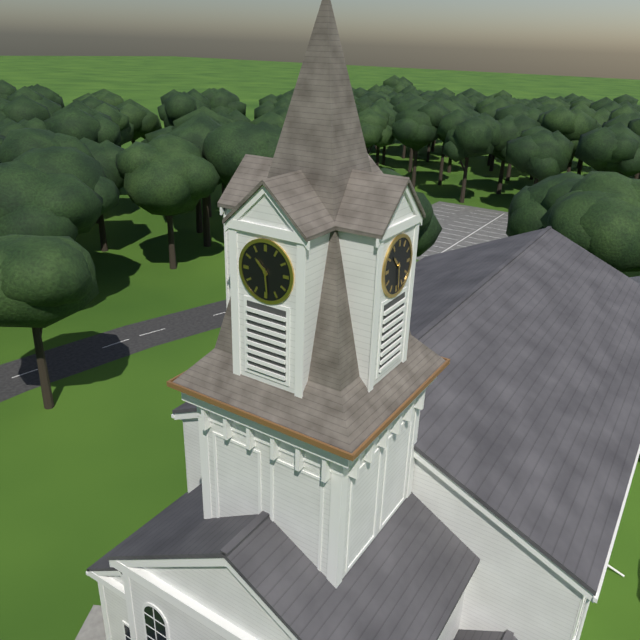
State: 10h29
